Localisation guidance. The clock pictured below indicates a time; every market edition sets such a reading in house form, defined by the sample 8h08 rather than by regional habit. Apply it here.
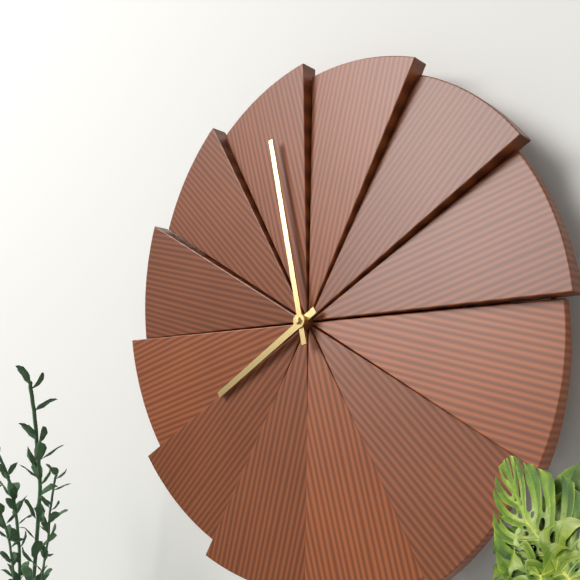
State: 7h58
